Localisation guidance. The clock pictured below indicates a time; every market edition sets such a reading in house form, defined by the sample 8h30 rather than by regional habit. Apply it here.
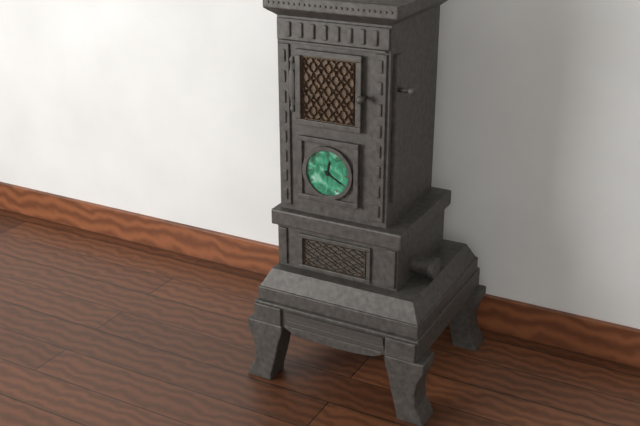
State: 12h20
